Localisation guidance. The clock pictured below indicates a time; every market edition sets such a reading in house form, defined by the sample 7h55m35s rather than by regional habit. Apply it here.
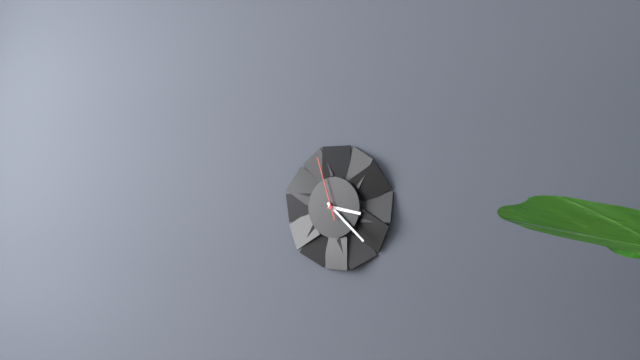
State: 3h22m57s
